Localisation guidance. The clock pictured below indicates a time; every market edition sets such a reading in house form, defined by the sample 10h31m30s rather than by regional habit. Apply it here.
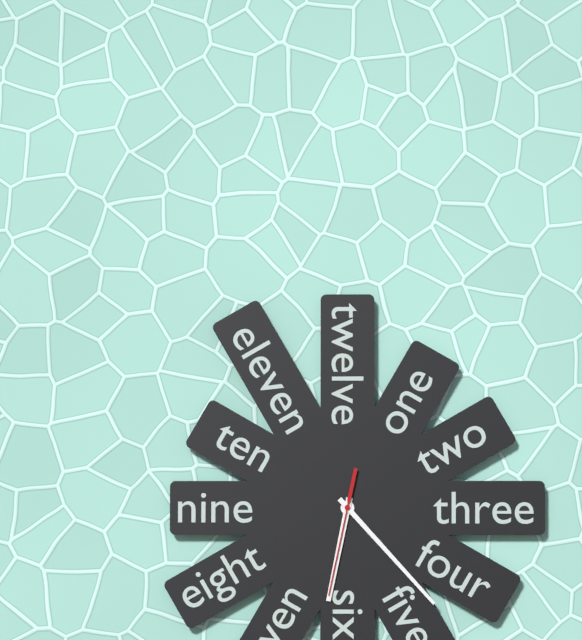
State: 6h23m32s
